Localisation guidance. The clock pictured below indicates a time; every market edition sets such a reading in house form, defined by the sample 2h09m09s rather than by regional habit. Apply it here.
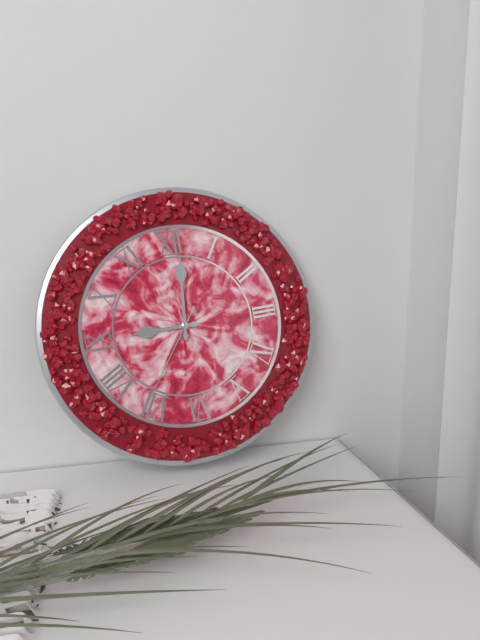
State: 9h01m36s
